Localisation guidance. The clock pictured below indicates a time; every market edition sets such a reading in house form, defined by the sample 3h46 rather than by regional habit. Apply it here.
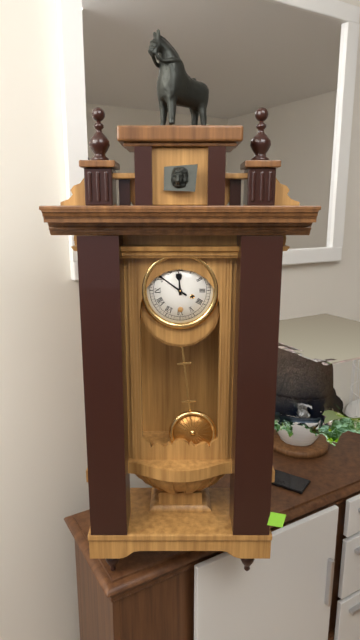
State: 11h51
